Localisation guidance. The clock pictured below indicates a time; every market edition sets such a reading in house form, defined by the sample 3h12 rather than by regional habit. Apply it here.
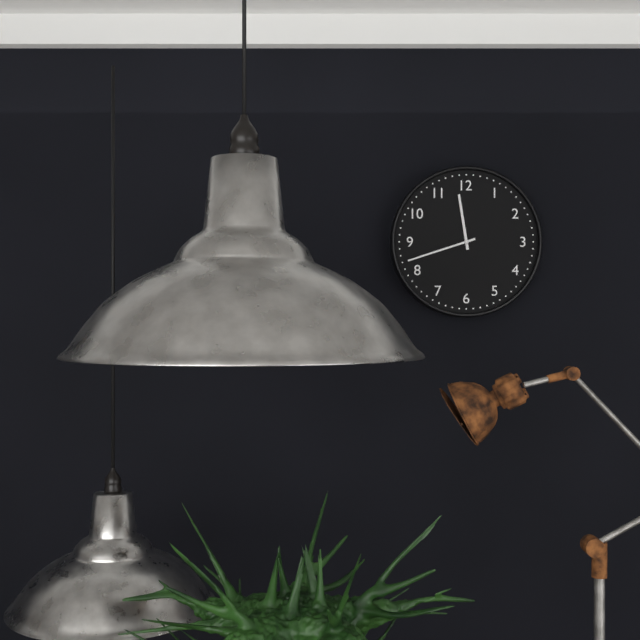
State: 11h42
